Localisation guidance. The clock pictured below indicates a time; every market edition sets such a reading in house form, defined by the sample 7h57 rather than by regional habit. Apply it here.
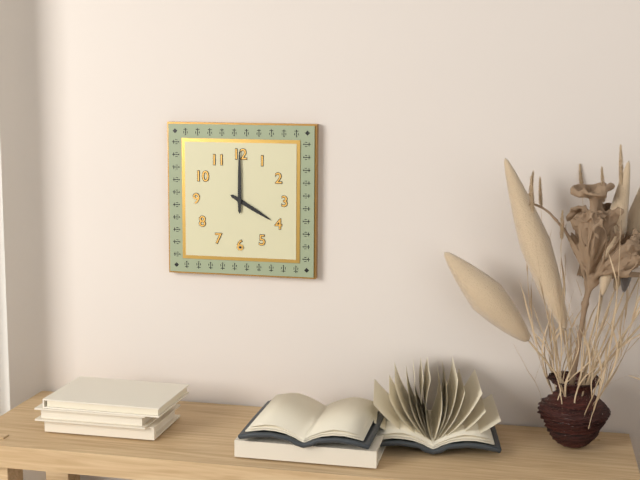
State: 4h00
